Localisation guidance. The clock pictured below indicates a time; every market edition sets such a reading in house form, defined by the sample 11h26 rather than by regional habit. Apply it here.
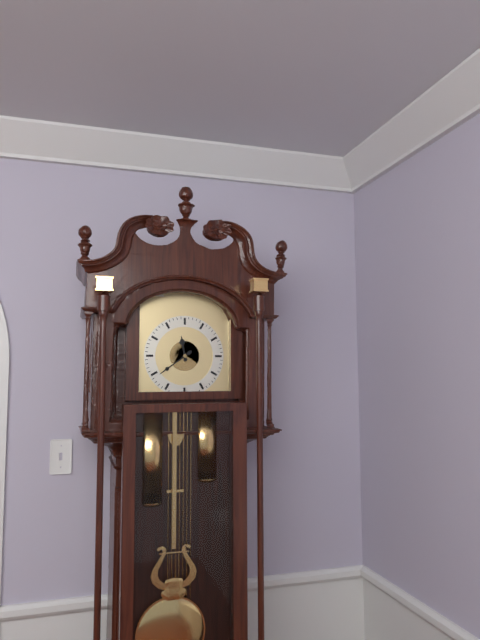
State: 11h39
